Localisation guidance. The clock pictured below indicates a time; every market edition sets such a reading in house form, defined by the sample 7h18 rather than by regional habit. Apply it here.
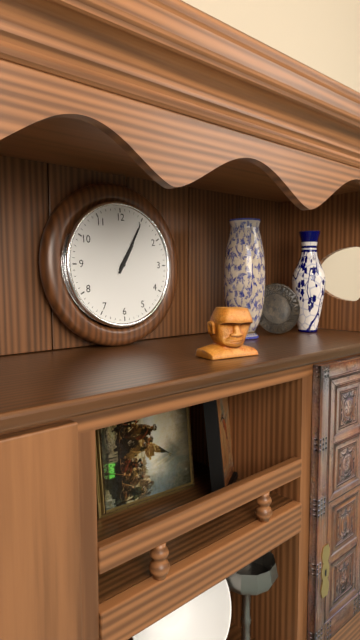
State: 1h05
